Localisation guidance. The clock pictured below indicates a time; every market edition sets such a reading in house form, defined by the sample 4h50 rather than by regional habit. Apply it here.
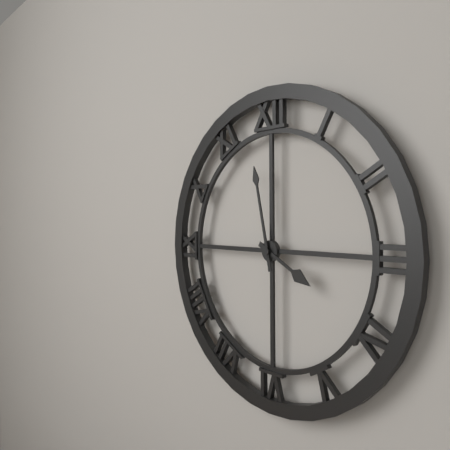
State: 3h58
